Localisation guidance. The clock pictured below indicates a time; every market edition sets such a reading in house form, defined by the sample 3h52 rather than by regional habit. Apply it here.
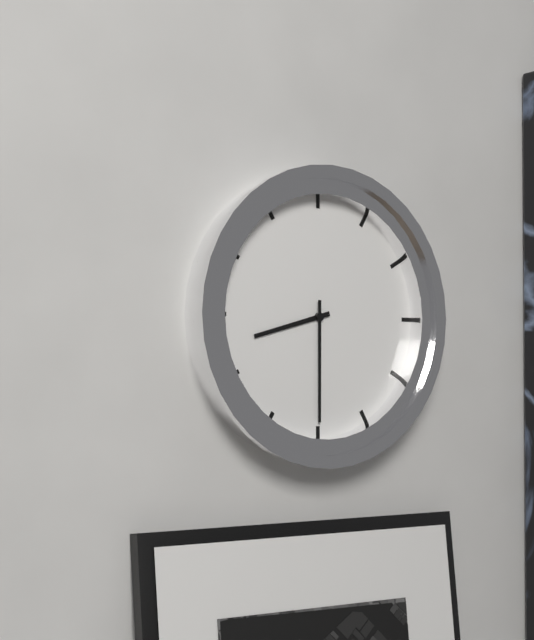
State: 8h30
